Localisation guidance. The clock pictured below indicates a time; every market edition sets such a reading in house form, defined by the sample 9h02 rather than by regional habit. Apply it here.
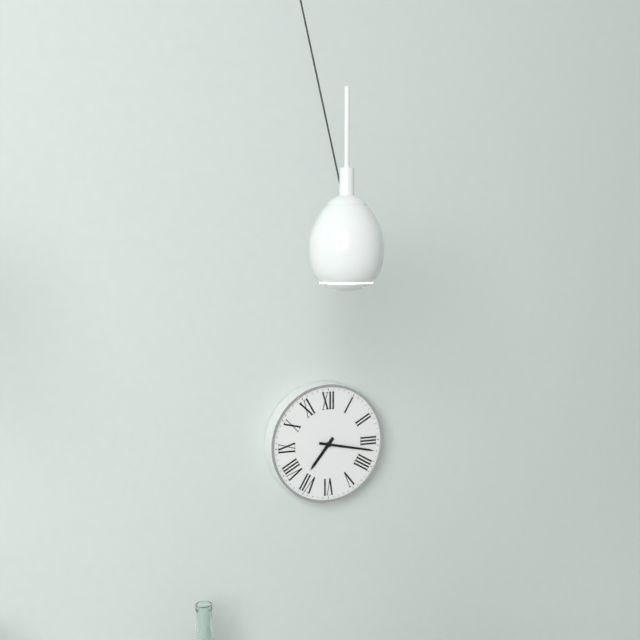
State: 7h17
